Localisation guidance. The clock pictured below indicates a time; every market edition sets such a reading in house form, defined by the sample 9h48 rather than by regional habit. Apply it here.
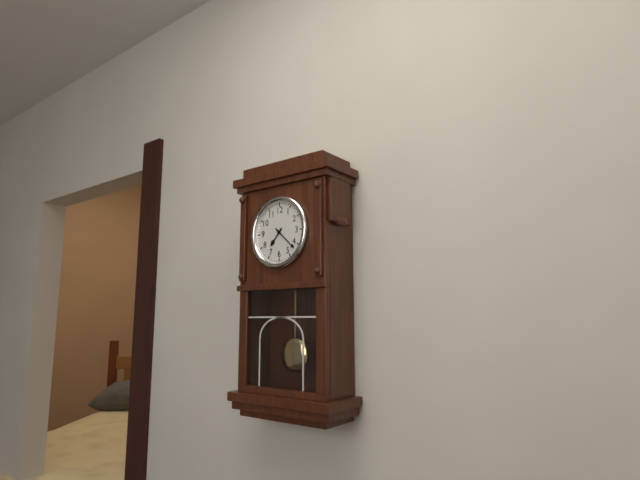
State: 7h22
